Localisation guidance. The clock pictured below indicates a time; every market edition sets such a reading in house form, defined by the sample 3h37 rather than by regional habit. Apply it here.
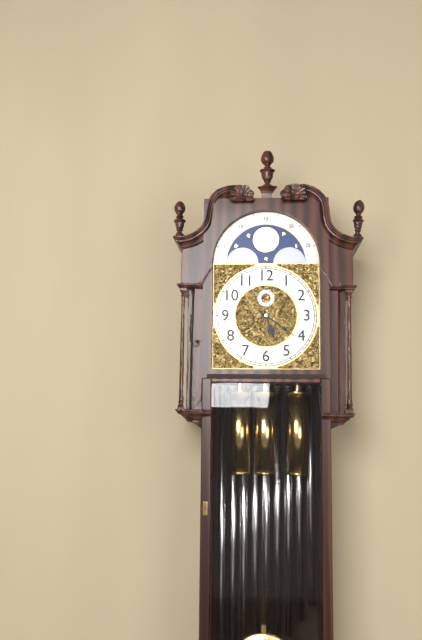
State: 5h21
